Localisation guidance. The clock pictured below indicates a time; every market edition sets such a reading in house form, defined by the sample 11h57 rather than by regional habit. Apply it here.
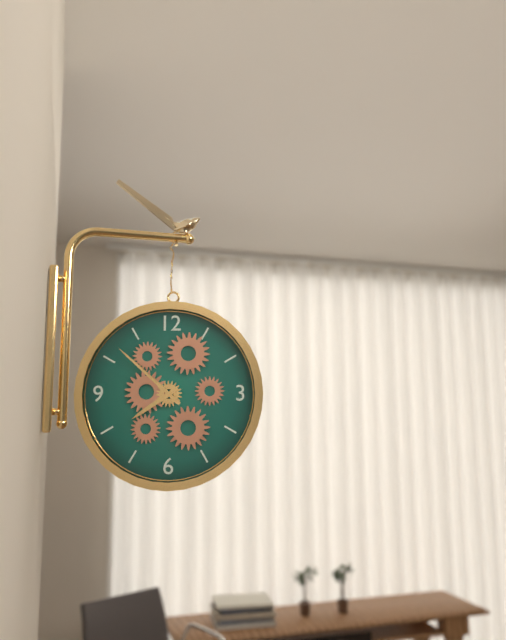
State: 7h52
